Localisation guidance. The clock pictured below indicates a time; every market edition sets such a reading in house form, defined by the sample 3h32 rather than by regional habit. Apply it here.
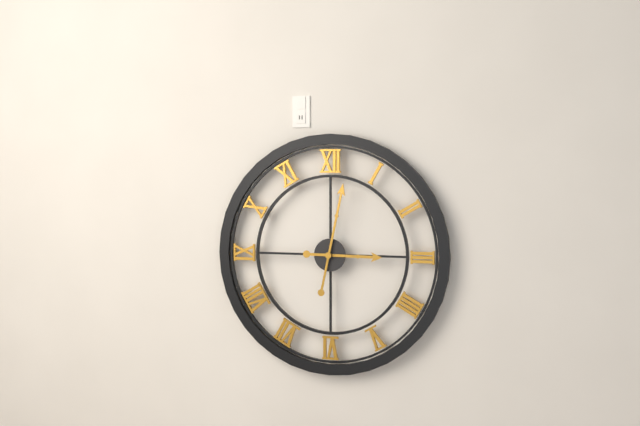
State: 3h02
